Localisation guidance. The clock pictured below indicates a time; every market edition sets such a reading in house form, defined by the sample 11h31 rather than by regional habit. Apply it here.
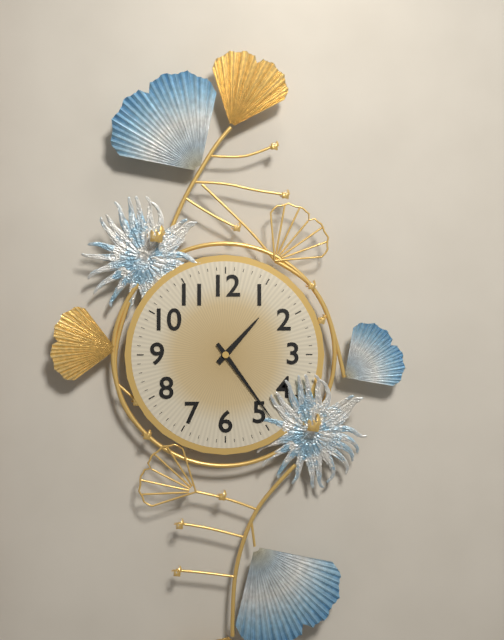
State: 1h24
